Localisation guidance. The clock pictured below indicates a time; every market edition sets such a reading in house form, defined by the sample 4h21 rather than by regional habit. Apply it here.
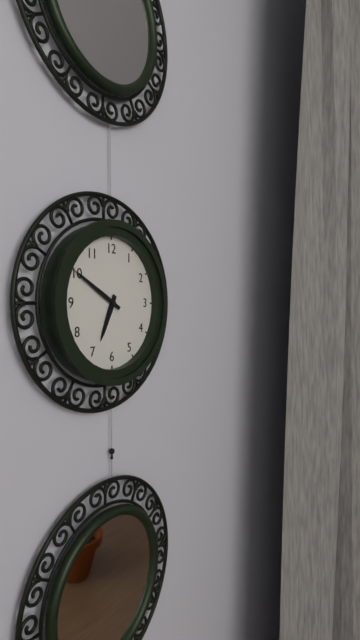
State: 6h50
